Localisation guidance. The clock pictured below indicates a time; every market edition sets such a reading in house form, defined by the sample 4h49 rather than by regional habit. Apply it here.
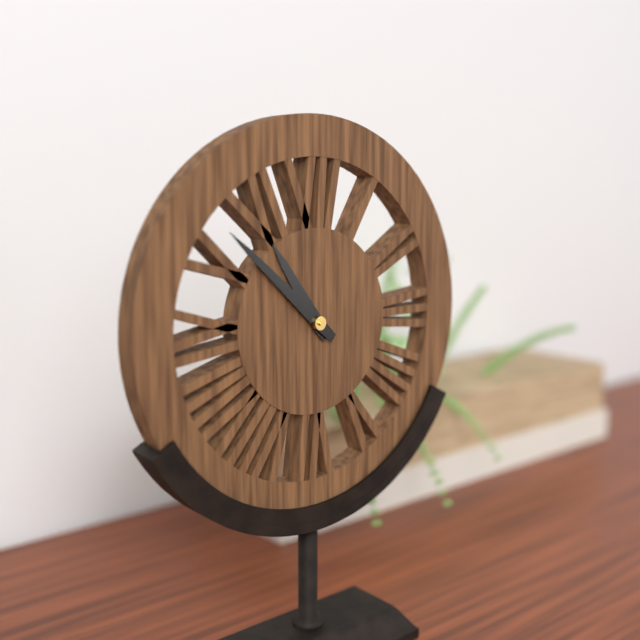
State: 10h52
